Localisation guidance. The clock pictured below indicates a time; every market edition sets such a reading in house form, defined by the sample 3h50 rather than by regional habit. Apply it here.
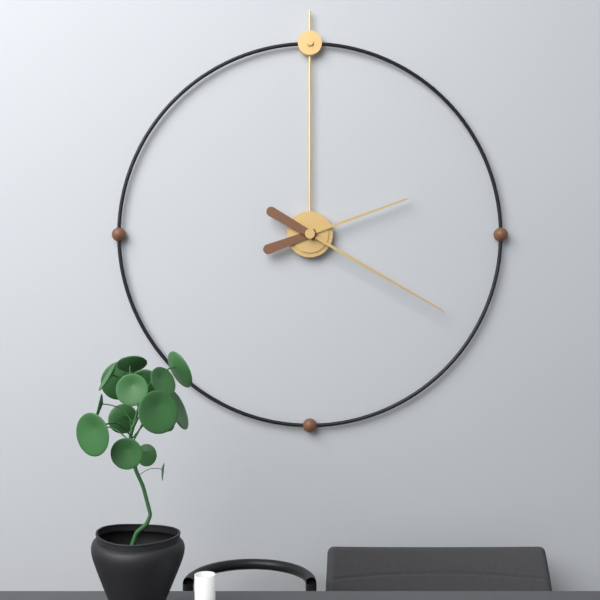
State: 2h20
